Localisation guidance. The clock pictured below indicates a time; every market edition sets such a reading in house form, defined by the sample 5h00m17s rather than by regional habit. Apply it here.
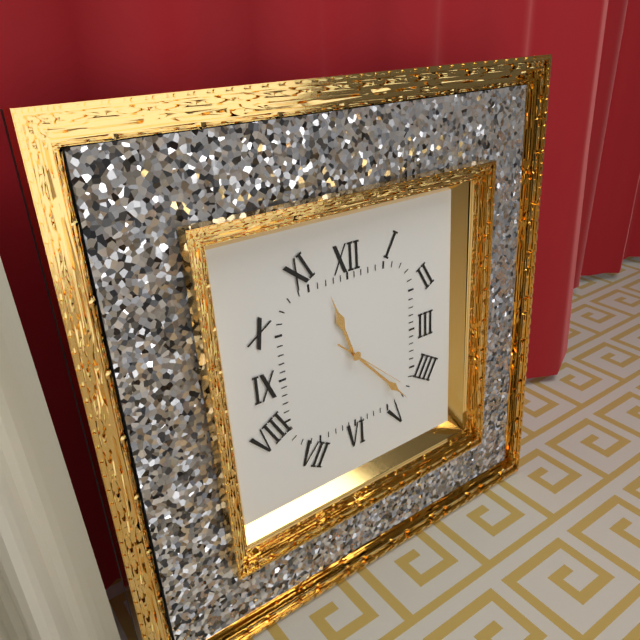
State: 11h23m22s
